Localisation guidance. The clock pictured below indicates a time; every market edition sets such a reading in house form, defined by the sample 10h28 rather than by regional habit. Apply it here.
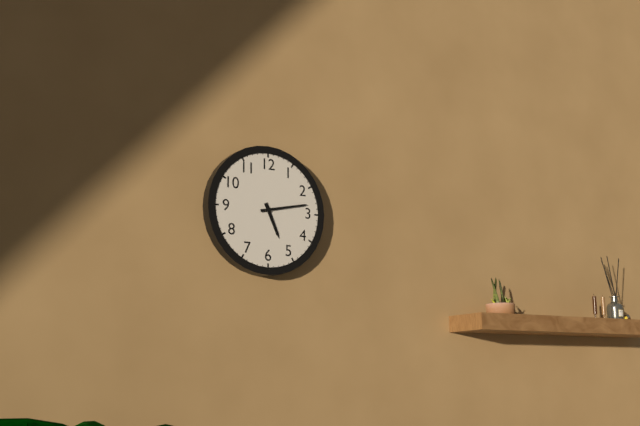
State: 5h13
